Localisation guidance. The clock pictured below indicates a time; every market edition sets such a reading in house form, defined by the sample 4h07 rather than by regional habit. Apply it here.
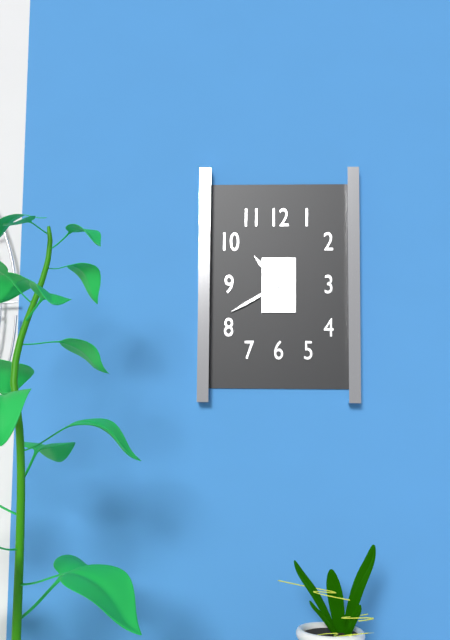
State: 10h40
